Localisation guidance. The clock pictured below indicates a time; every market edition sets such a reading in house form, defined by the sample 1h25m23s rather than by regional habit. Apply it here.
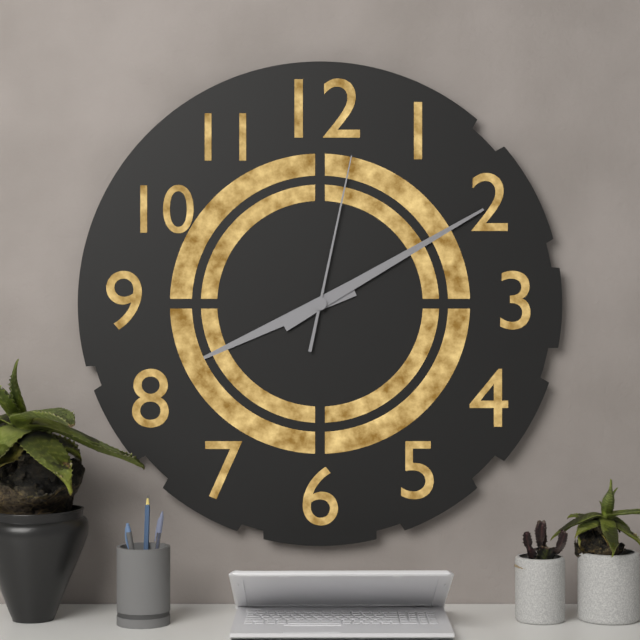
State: 8h10m02s
